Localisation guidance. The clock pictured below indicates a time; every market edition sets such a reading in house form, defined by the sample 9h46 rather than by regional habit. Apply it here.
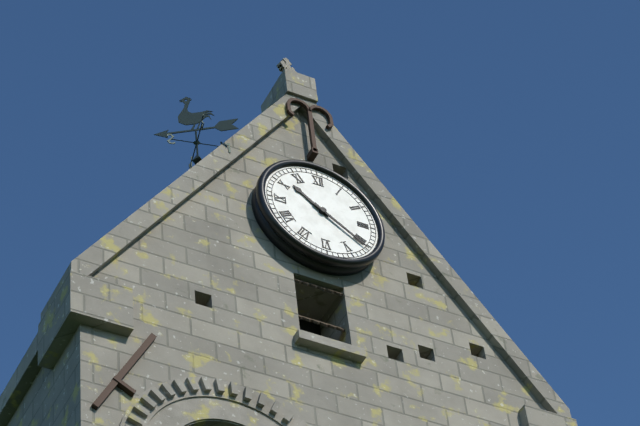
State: 10h21
